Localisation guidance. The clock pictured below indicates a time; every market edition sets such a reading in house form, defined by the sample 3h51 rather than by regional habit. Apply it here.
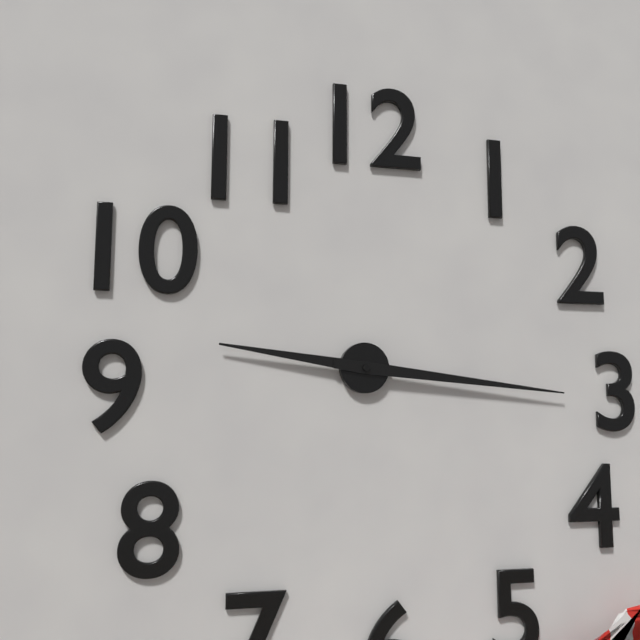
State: 9h16
